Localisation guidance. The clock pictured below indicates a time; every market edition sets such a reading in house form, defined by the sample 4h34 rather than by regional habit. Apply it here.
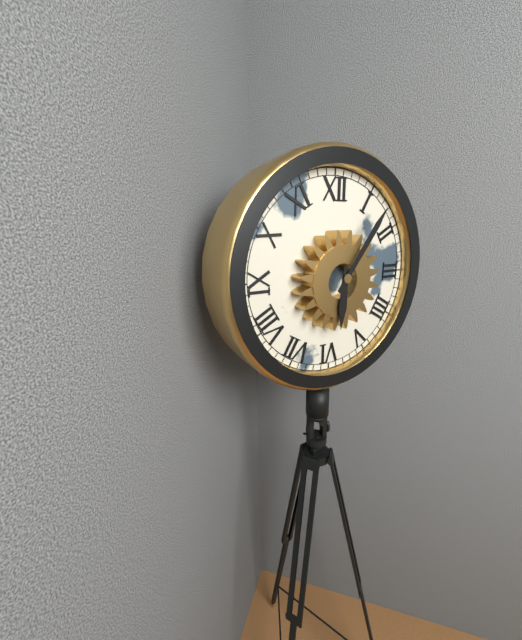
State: 6h06
